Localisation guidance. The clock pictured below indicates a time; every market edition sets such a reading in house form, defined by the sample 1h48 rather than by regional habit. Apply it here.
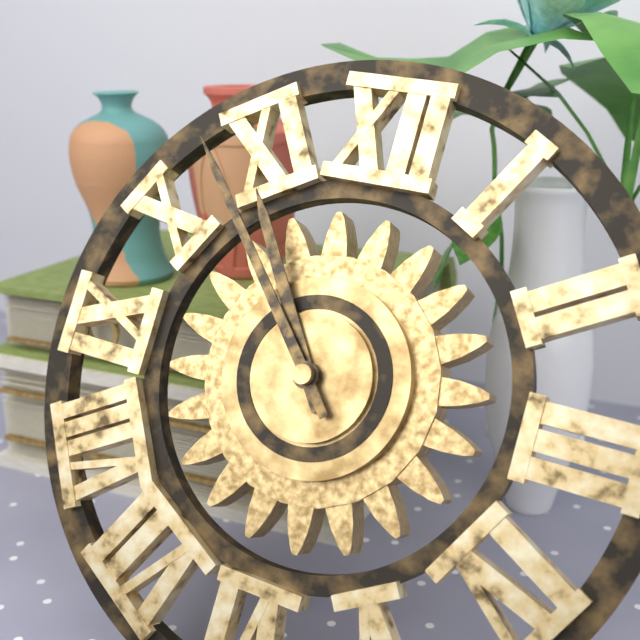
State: 10h53
